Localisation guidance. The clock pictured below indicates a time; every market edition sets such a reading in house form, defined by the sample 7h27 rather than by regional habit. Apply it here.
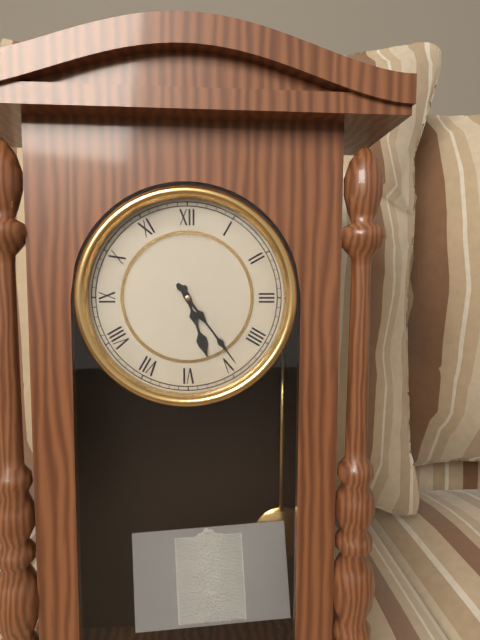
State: 5h24
